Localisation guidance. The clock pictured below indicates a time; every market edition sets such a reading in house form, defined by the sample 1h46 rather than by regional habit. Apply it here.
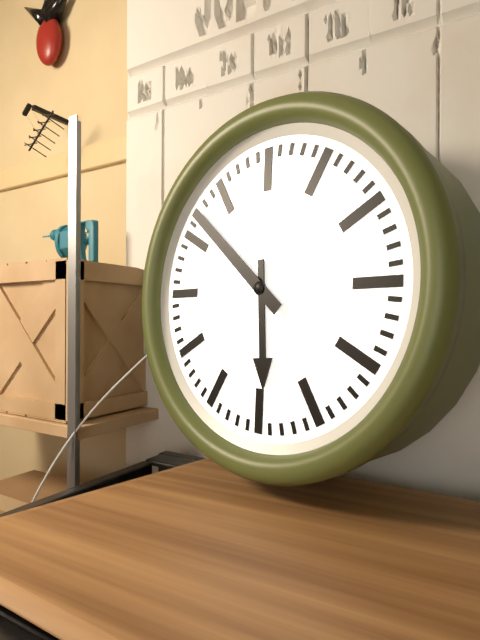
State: 5h52
